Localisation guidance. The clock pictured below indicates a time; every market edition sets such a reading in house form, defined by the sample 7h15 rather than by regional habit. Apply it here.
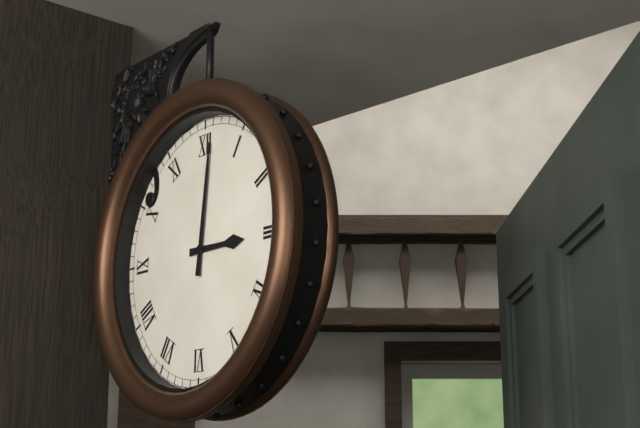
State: 3h01
